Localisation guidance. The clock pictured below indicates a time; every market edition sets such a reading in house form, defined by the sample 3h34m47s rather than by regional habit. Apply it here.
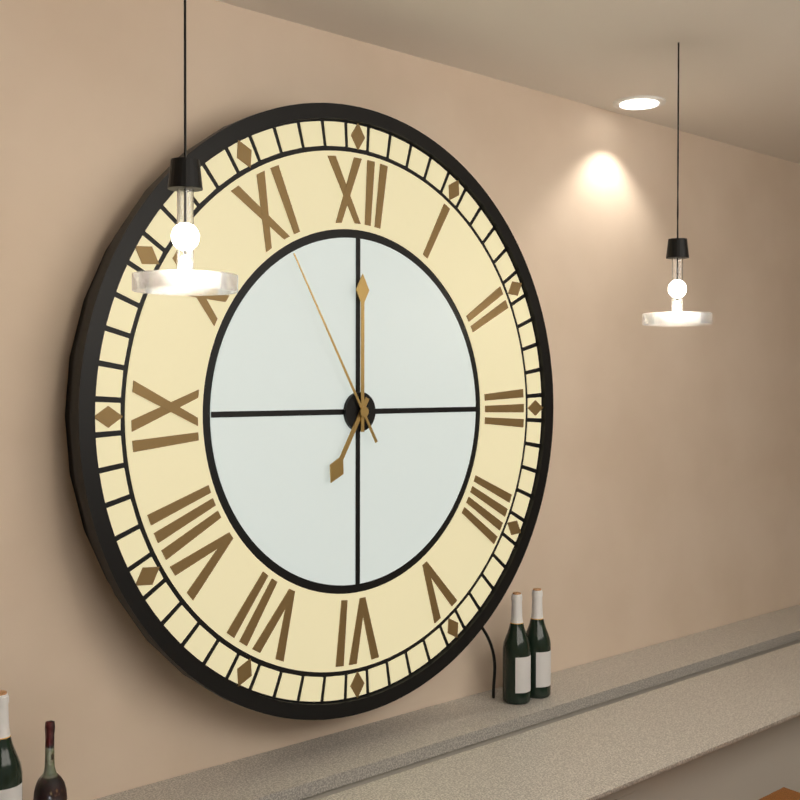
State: 7h00m55s
